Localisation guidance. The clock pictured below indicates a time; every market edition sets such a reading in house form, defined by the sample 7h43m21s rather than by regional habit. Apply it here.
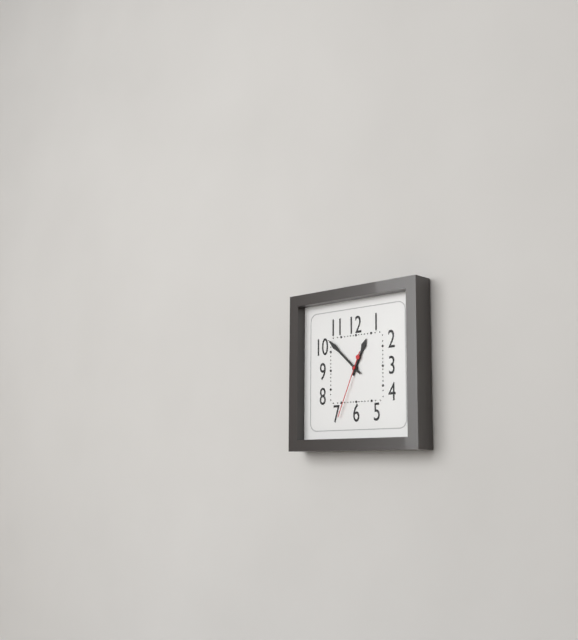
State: 12h52m34s
